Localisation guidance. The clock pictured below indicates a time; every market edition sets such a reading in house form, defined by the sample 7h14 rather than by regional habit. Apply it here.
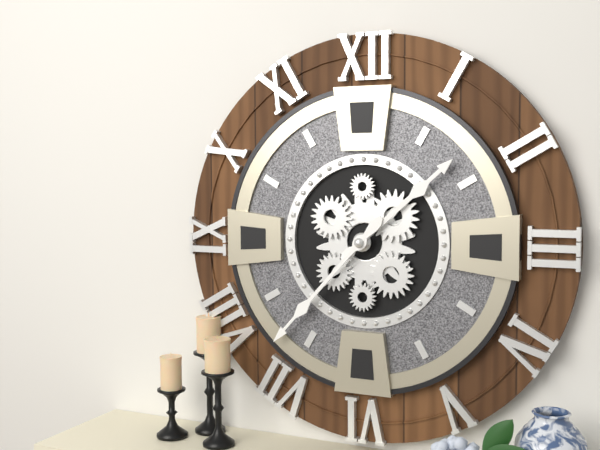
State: 1h37
